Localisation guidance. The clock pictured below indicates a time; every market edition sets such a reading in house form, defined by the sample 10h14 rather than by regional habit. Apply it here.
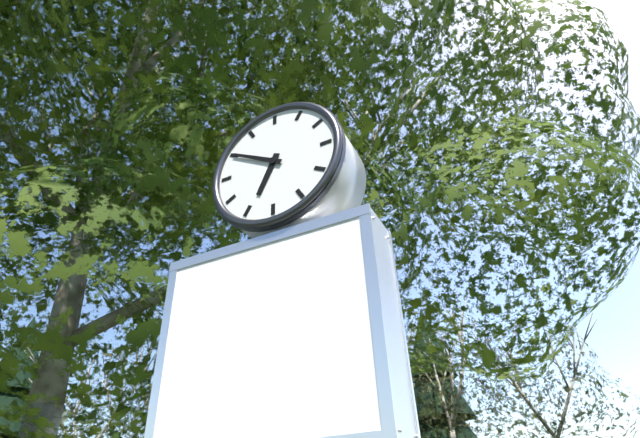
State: 6h50
